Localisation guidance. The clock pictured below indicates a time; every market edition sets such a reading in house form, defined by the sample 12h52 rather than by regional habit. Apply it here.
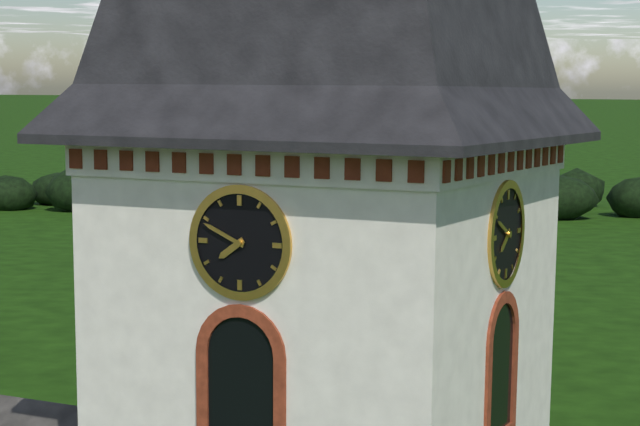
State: 7h49
